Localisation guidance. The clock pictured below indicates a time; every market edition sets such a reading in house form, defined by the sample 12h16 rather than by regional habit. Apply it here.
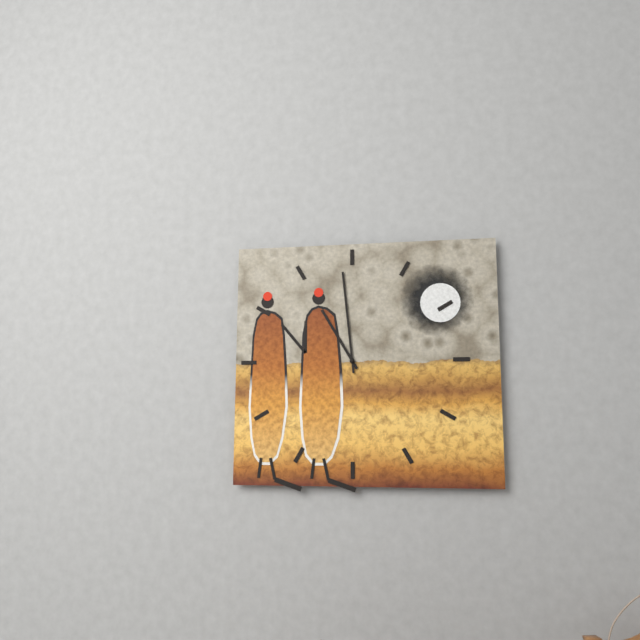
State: 10h59
